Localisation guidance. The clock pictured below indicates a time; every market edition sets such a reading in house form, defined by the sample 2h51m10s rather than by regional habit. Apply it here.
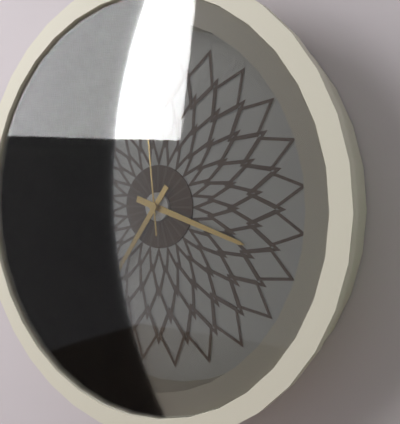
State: 3h36m59s
